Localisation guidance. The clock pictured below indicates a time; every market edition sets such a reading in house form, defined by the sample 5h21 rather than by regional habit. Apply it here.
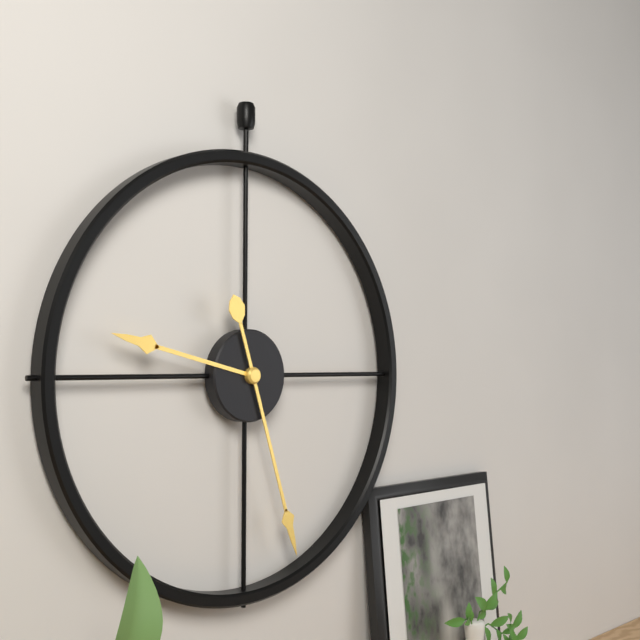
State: 9h27
